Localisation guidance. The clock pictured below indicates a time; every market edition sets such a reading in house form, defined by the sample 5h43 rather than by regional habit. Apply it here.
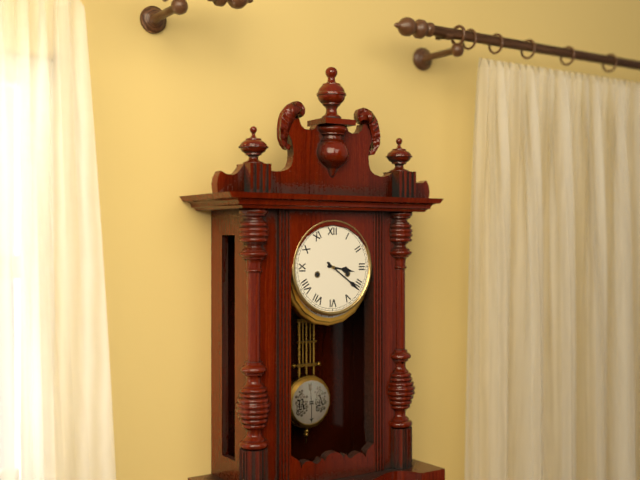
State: 3h21
